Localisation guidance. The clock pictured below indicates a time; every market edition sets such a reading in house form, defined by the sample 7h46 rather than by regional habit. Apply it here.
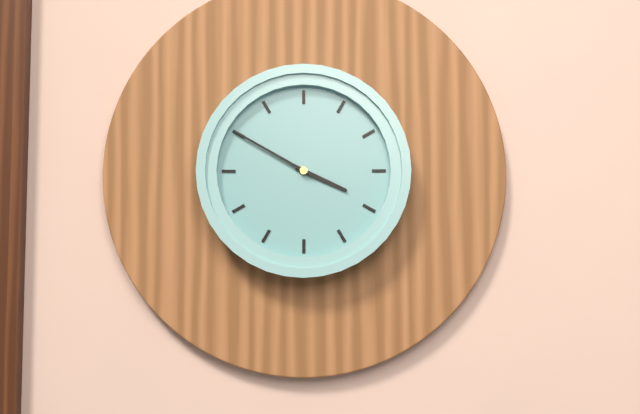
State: 3h50
